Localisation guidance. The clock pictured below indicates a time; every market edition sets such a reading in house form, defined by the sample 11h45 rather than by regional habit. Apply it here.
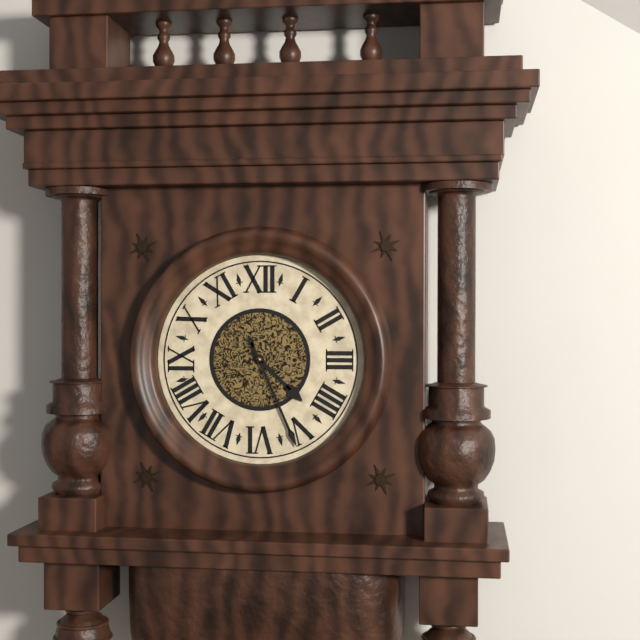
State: 4h26
